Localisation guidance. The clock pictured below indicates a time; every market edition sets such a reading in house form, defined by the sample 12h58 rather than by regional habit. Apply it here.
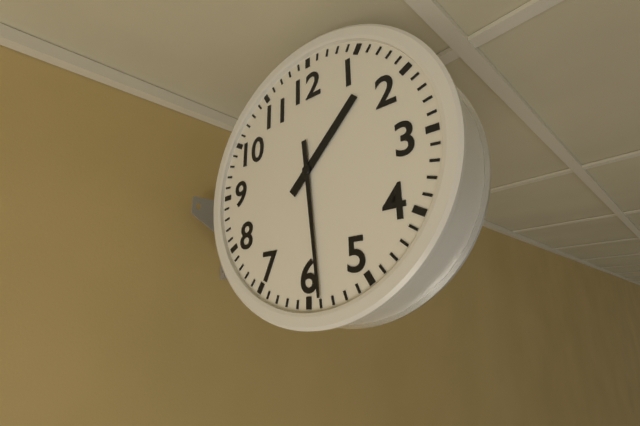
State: 1h29
